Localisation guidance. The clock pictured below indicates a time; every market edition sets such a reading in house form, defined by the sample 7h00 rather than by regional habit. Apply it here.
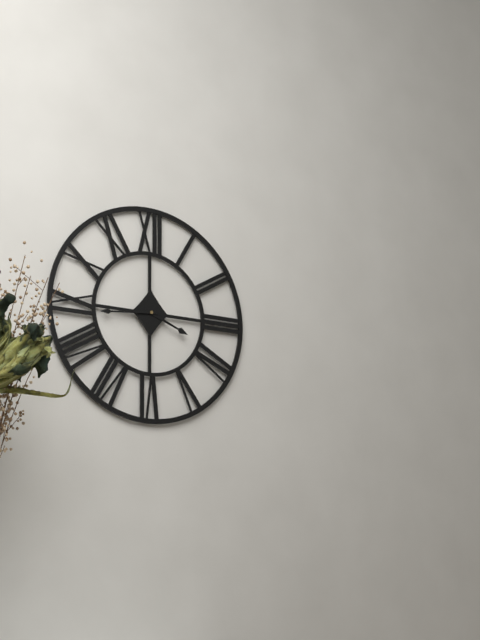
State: 3h44
